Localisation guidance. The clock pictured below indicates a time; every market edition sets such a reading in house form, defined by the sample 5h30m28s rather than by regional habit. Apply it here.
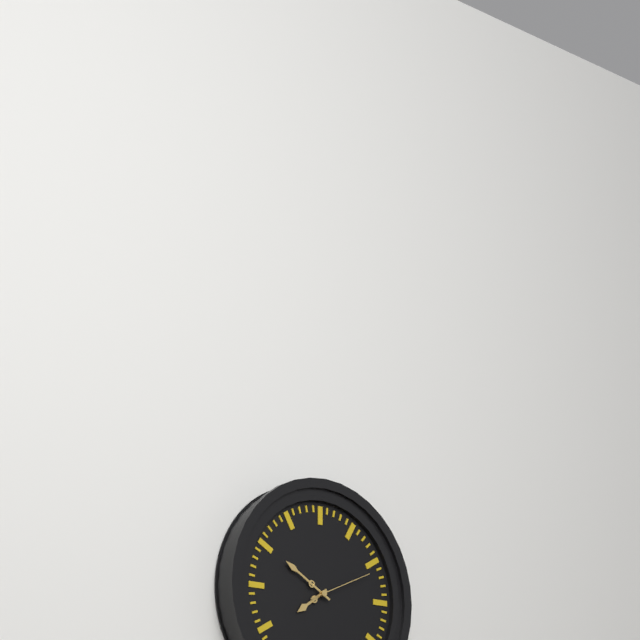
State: 7h50m11s
